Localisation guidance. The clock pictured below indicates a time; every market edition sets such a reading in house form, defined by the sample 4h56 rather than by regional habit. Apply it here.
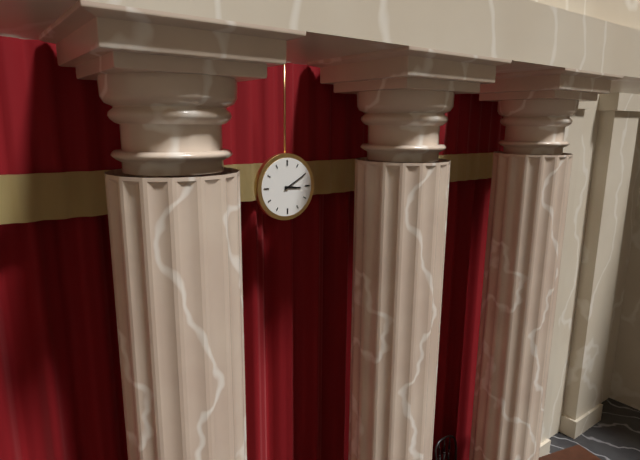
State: 3h10
